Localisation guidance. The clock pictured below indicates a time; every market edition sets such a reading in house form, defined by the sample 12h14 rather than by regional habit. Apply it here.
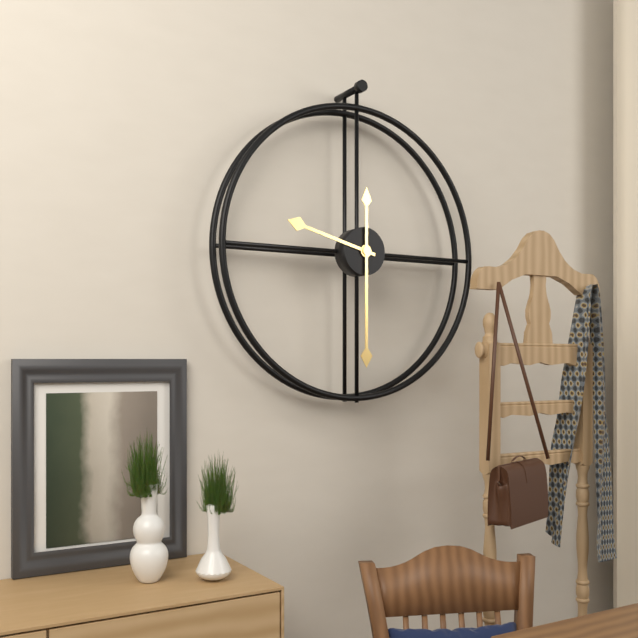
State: 9h30
